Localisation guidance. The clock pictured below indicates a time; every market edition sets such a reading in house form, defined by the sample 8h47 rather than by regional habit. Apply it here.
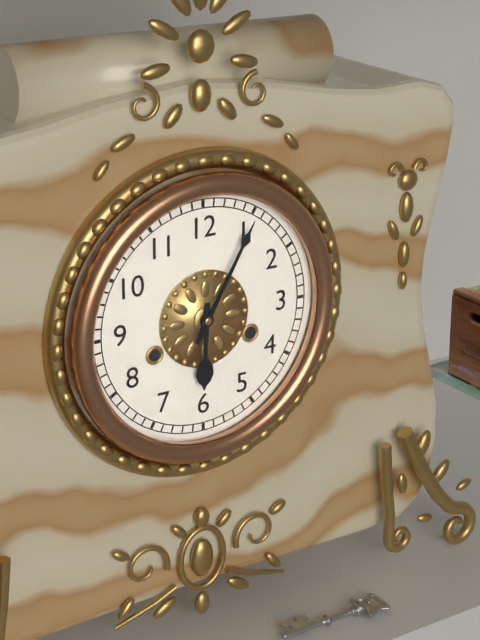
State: 6h05
